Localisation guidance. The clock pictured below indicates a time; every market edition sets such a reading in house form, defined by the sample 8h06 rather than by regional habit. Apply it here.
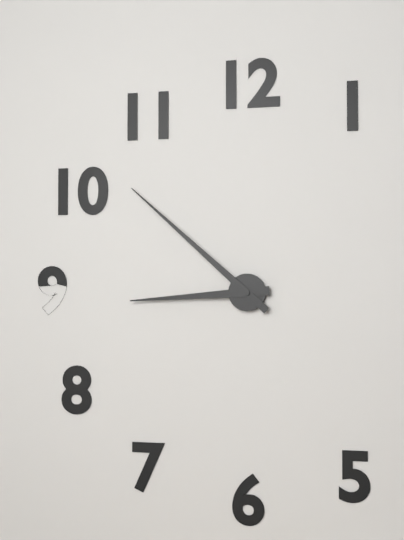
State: 8h52
